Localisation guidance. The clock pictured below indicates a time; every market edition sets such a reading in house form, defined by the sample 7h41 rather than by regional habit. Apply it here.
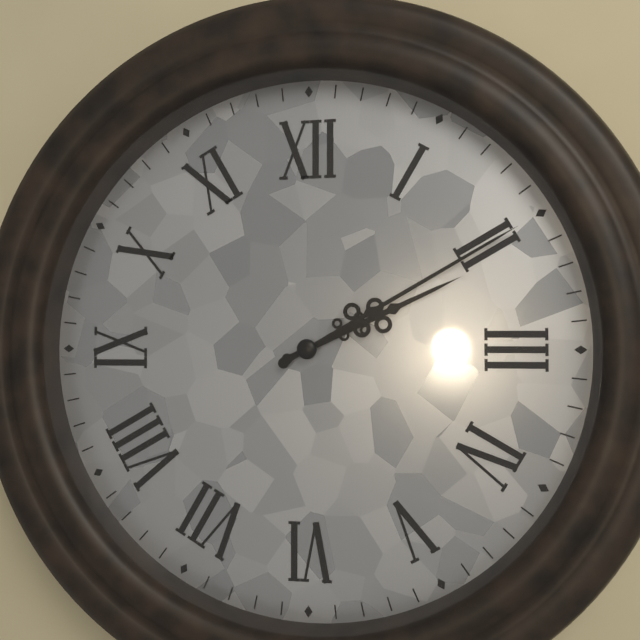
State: 2h10
